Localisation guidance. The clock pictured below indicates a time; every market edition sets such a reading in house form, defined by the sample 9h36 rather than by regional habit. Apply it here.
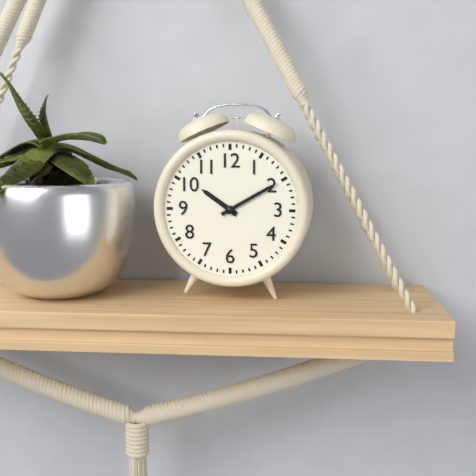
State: 10h10
